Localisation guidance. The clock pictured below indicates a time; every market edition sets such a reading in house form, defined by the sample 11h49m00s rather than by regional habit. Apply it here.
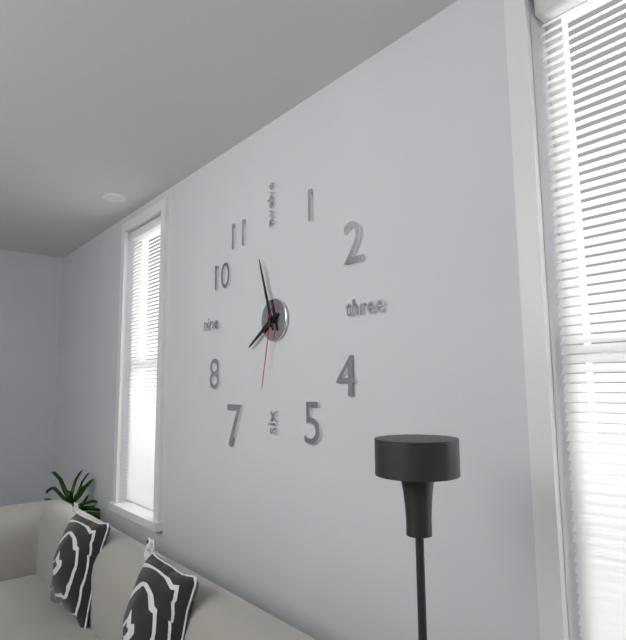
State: 7h57m32s
